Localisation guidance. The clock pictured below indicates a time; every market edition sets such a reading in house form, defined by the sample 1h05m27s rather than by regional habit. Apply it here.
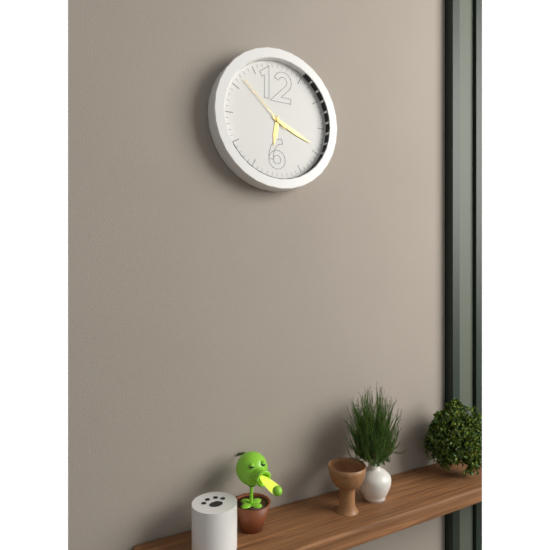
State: 6h19m52s
